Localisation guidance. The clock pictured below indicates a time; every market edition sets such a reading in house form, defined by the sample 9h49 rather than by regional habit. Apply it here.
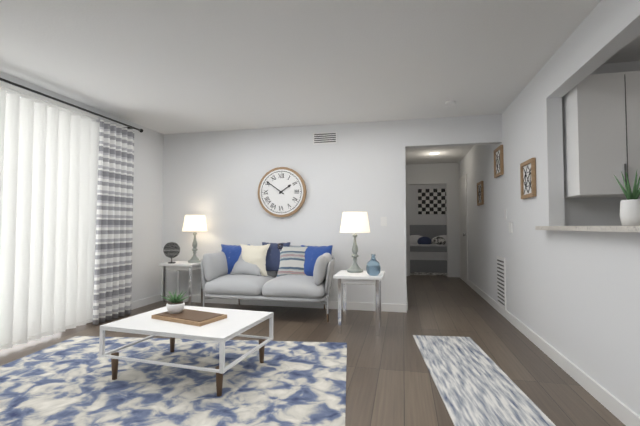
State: 1h51
